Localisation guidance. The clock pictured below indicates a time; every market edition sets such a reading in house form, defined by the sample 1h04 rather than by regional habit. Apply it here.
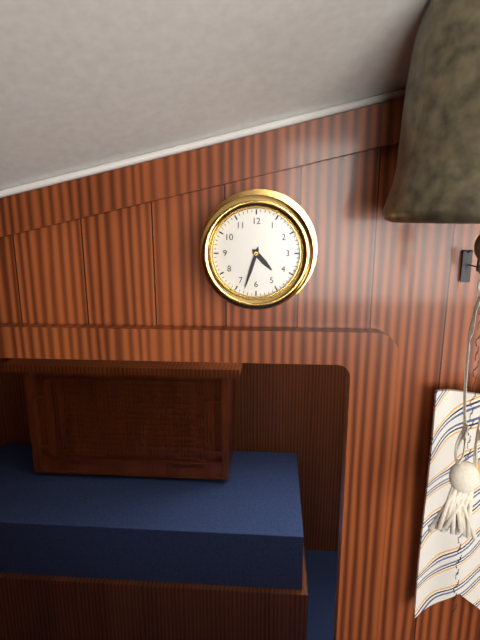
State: 4h33
